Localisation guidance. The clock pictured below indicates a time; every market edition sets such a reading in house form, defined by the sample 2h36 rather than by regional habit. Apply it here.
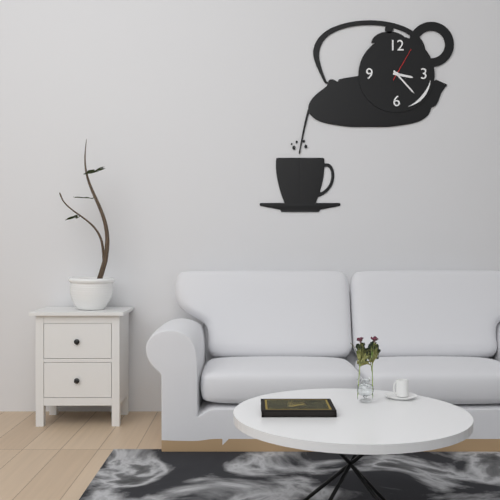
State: 3h23
